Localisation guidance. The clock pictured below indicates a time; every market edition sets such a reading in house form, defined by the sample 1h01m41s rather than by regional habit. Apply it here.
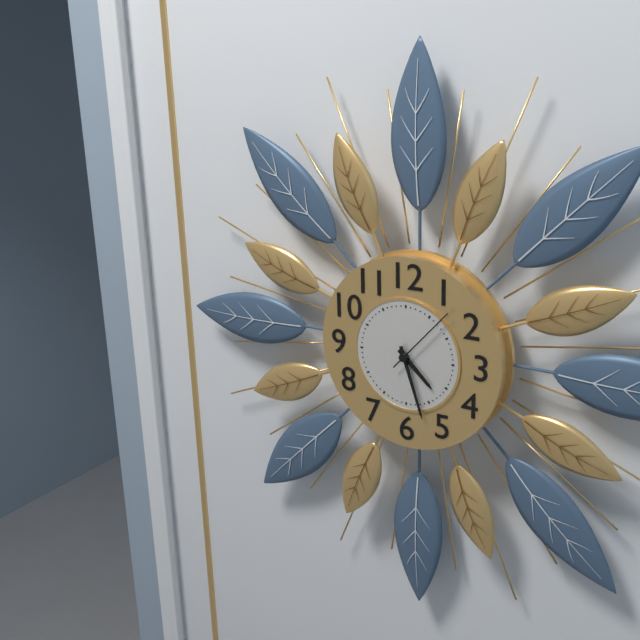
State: 4h27m07s
